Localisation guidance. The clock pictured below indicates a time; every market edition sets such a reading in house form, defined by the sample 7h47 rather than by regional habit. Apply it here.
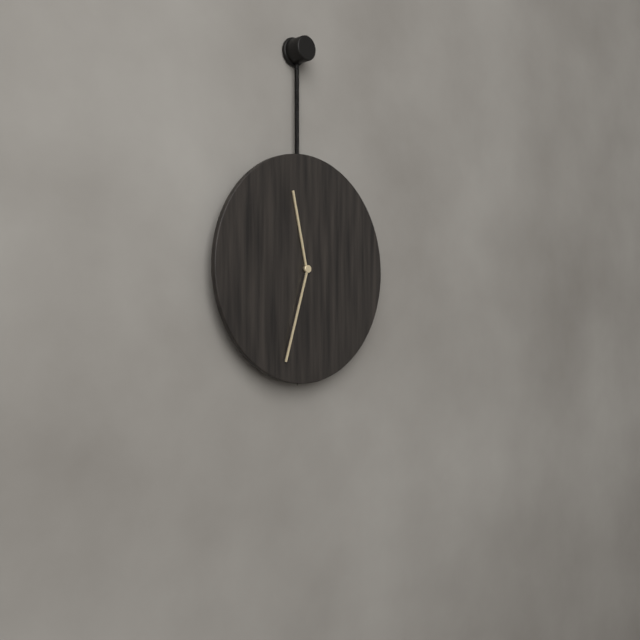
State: 11h33
